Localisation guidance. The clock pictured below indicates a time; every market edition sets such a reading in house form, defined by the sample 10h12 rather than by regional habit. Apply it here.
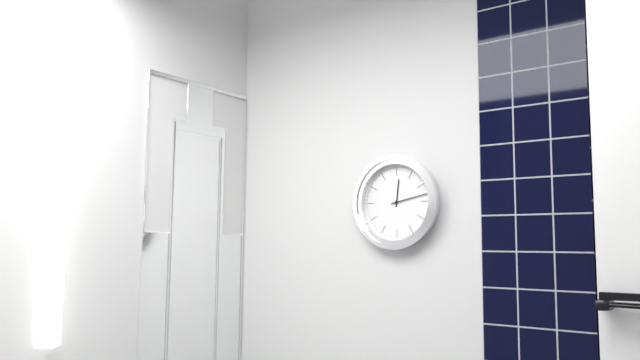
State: 12h13
